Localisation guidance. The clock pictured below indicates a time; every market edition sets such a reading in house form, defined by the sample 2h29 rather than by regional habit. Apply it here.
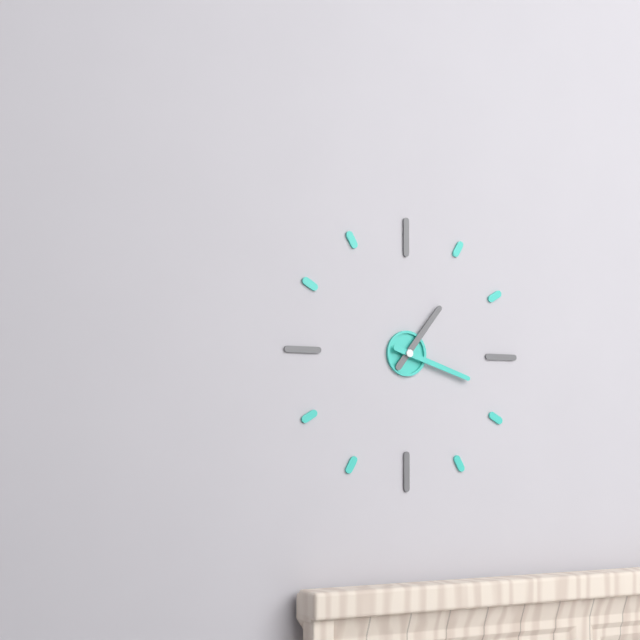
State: 1h18
